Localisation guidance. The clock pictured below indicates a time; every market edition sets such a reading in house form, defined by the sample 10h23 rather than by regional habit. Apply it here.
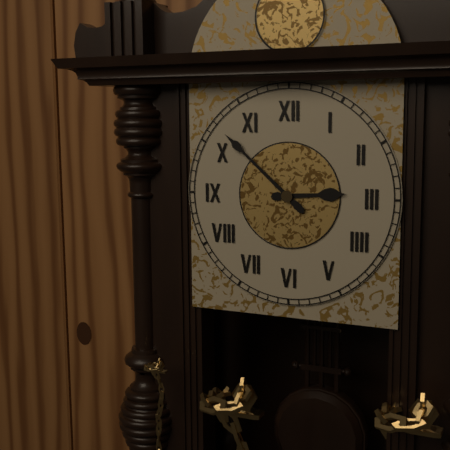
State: 2h52
